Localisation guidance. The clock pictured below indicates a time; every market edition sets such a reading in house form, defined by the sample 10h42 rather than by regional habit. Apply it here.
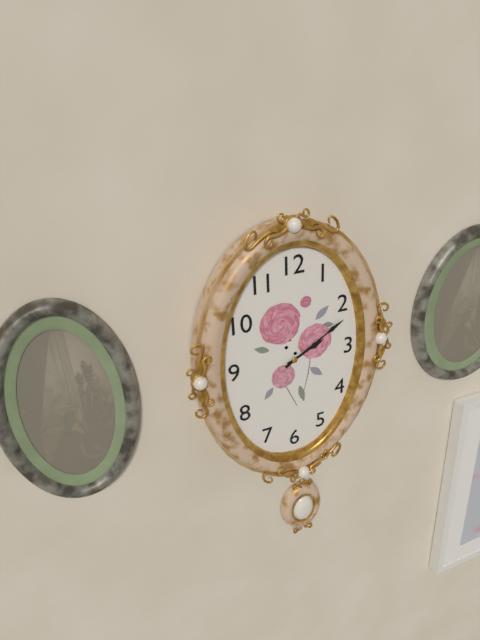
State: 2h10
